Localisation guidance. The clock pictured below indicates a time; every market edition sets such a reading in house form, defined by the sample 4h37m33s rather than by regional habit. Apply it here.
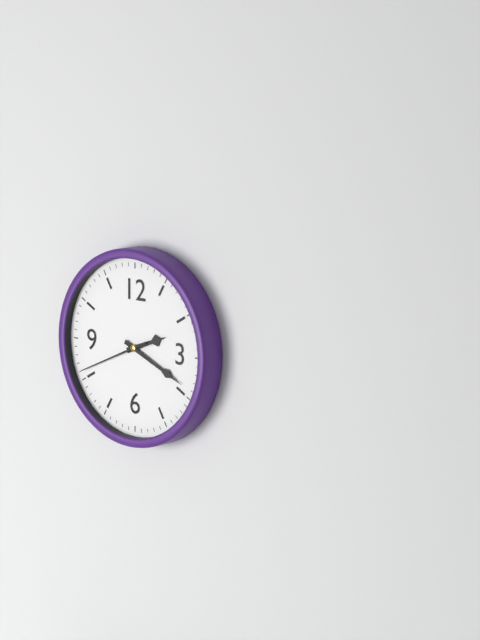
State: 2h19m41s
